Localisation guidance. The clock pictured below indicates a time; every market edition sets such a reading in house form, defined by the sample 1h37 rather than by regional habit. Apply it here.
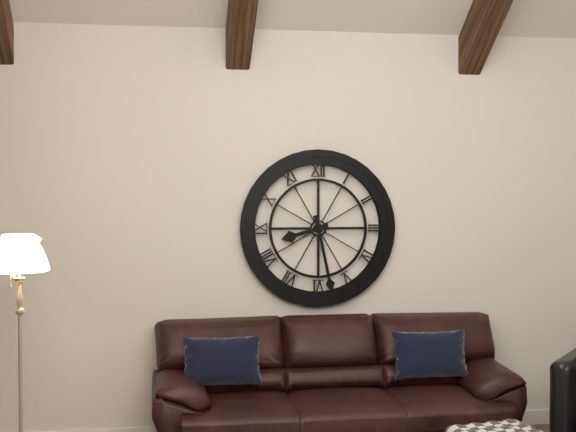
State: 8h28
